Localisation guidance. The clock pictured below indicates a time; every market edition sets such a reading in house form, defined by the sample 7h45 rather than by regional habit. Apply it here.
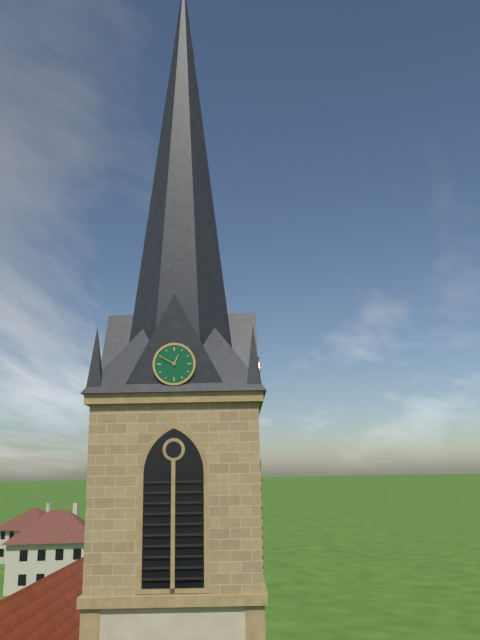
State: 12h50
